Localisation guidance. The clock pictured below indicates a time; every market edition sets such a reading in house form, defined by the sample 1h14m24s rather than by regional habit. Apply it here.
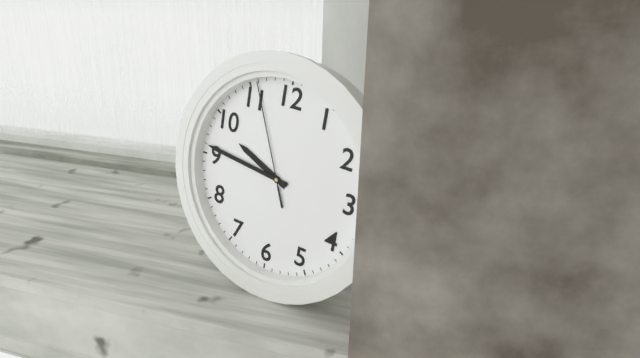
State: 9h46m56s
